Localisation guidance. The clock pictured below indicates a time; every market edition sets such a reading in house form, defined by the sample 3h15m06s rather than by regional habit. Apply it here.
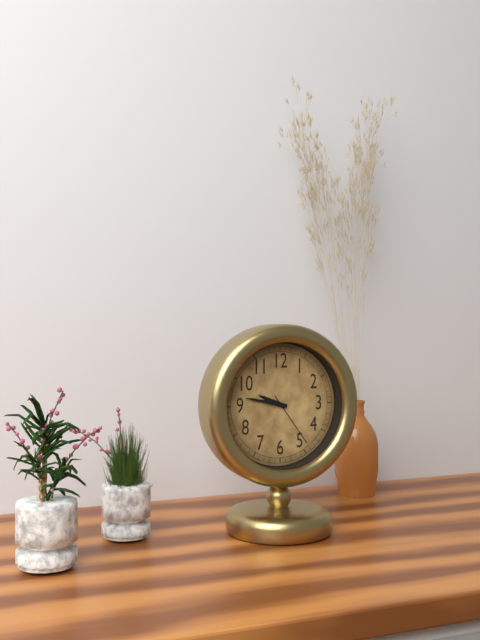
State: 9h47m24s
